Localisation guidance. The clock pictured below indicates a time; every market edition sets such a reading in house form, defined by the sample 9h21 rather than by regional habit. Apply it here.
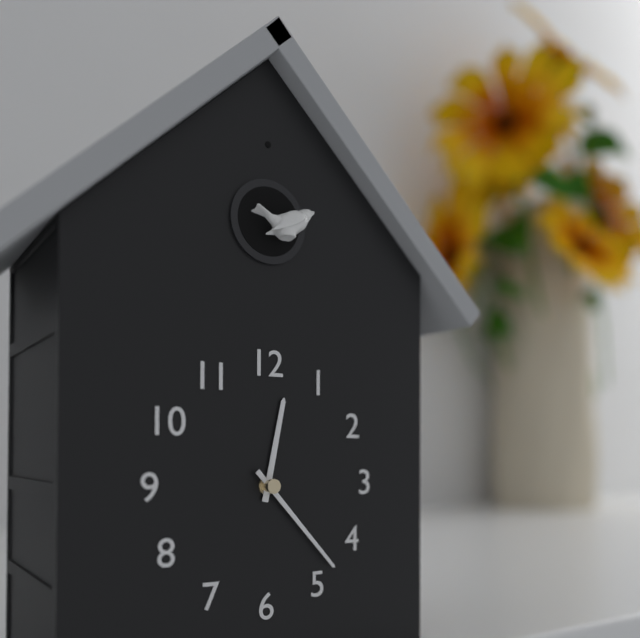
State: 12h23
